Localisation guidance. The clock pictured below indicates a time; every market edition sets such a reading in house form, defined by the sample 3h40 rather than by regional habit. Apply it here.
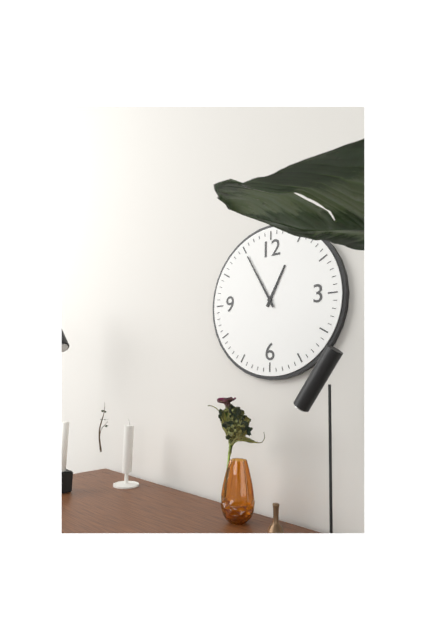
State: 12h55
